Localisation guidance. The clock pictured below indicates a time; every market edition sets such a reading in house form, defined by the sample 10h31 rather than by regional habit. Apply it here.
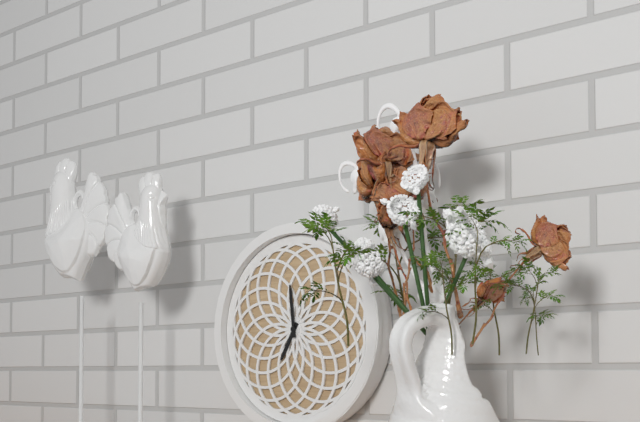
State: 6h59
